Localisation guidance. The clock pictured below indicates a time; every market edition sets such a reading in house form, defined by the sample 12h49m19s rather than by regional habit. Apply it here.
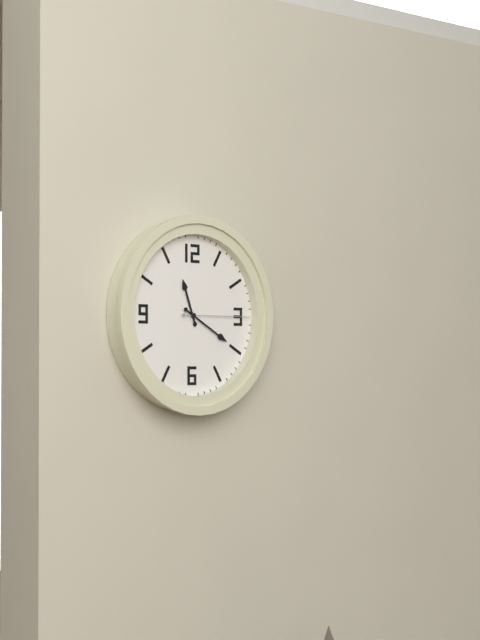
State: 11h20m15s
